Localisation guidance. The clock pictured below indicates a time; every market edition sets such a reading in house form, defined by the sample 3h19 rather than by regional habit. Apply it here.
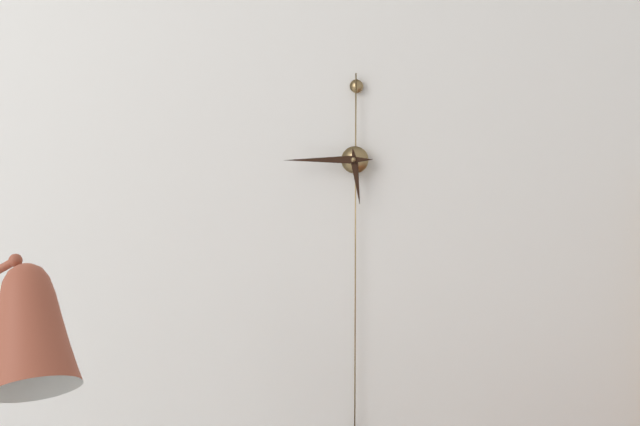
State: 5h45
